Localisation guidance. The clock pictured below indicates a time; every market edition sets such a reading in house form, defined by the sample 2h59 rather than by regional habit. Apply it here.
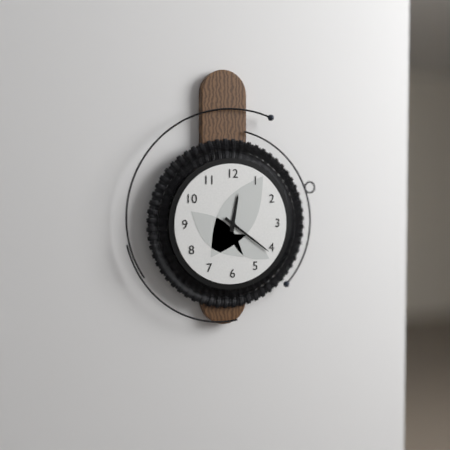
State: 12h21
